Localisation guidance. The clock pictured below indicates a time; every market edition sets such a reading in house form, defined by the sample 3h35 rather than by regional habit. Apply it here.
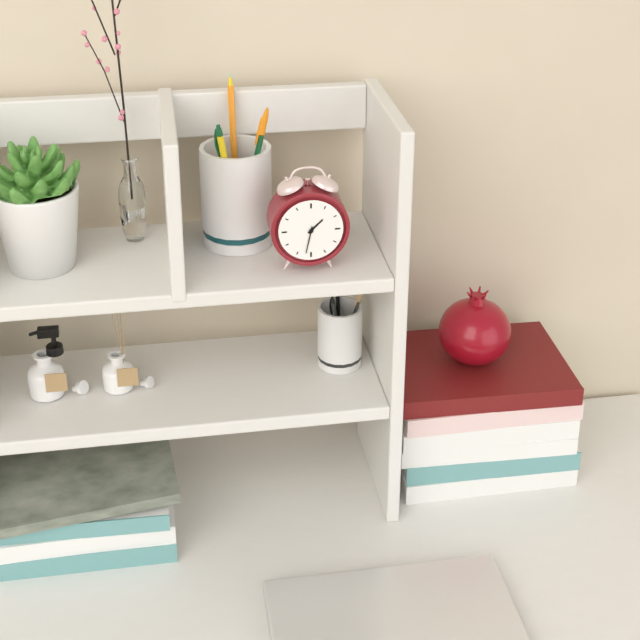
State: 1h32
